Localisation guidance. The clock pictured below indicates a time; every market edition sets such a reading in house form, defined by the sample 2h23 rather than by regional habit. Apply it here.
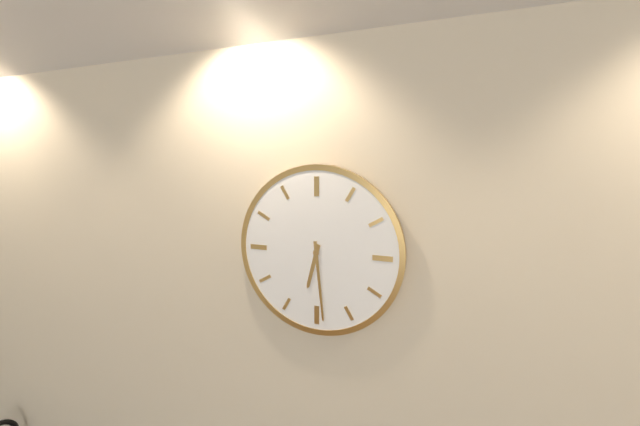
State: 6h29
